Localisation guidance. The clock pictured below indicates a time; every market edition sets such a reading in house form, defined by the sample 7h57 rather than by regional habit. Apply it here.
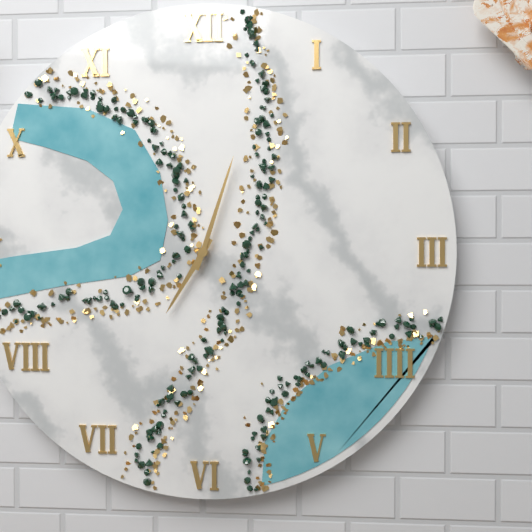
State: 7h03
